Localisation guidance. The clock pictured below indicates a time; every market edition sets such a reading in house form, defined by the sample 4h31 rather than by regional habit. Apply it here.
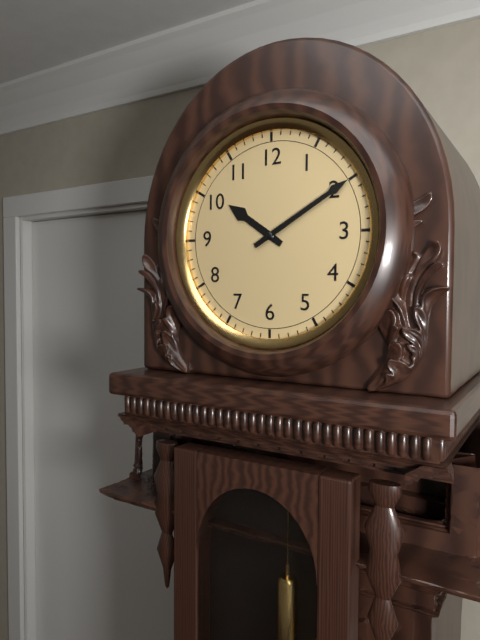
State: 10h10
